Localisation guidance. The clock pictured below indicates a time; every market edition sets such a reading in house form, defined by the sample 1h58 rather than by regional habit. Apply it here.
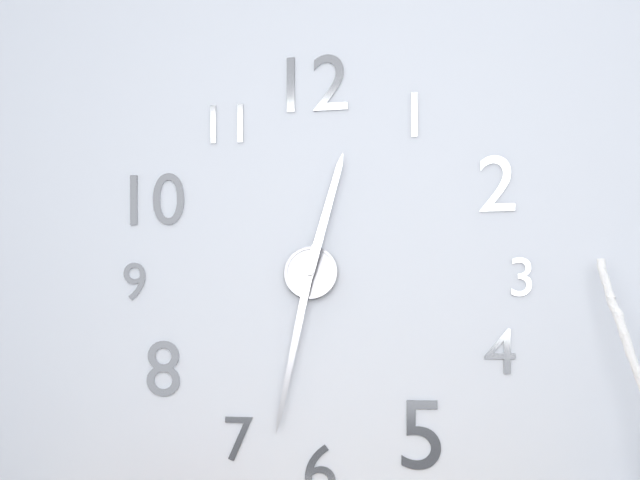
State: 12h32
